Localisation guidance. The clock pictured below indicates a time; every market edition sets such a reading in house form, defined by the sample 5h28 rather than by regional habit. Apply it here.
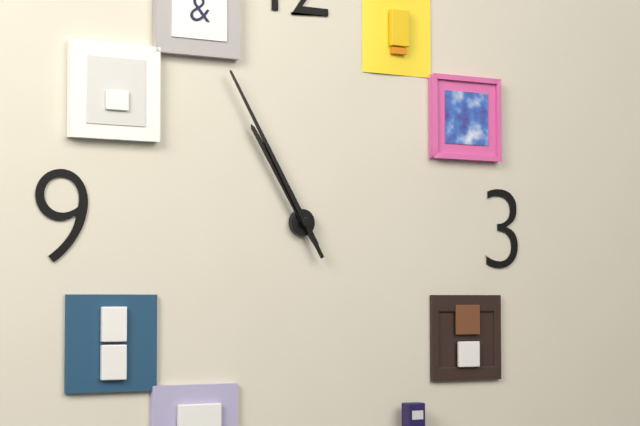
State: 10h55
